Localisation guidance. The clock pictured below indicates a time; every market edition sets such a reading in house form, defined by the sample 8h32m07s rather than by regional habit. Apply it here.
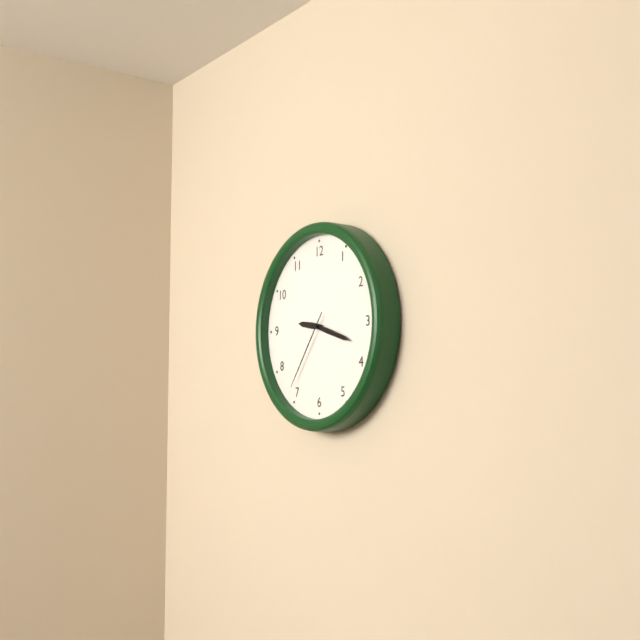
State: 9h18m36s
